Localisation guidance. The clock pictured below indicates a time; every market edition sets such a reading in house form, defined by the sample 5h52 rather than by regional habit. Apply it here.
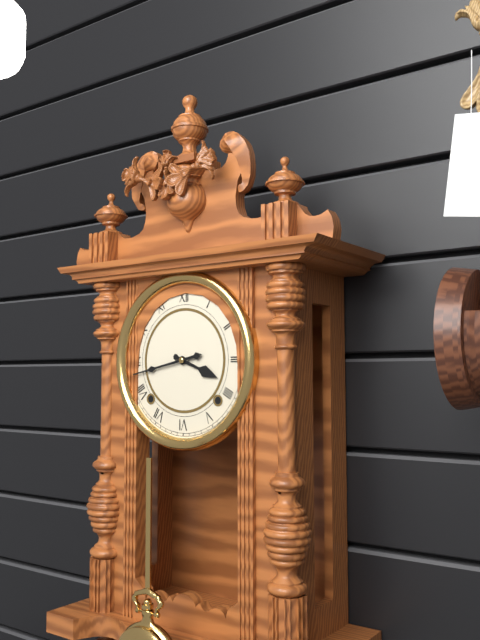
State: 3h43
